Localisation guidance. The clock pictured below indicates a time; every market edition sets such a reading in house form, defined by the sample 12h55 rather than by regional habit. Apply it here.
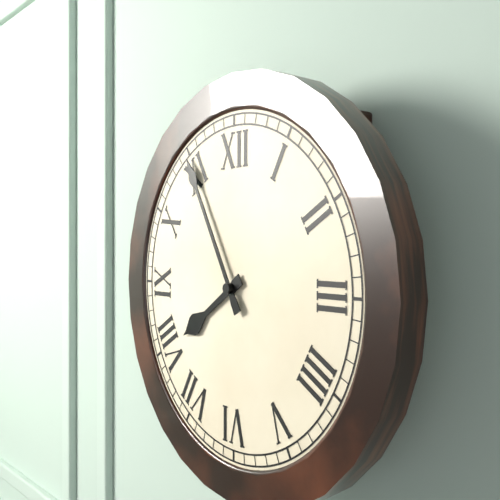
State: 7h55
